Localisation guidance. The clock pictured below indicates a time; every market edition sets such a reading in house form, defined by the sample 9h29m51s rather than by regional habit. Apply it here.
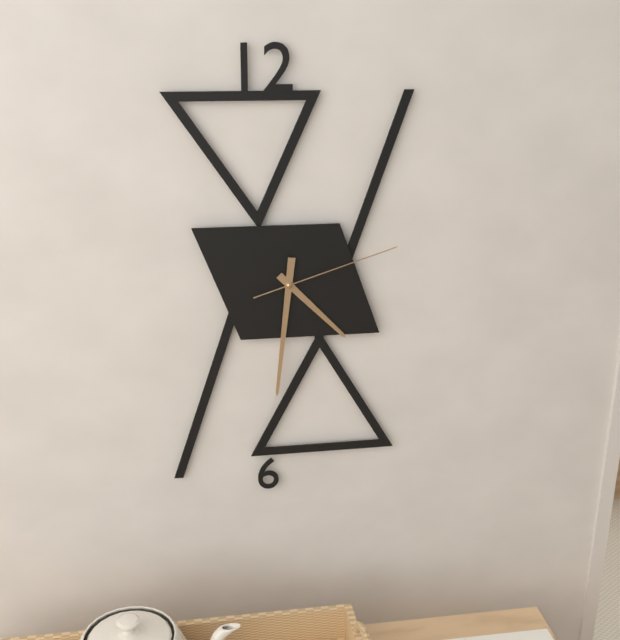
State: 4h31m12s
